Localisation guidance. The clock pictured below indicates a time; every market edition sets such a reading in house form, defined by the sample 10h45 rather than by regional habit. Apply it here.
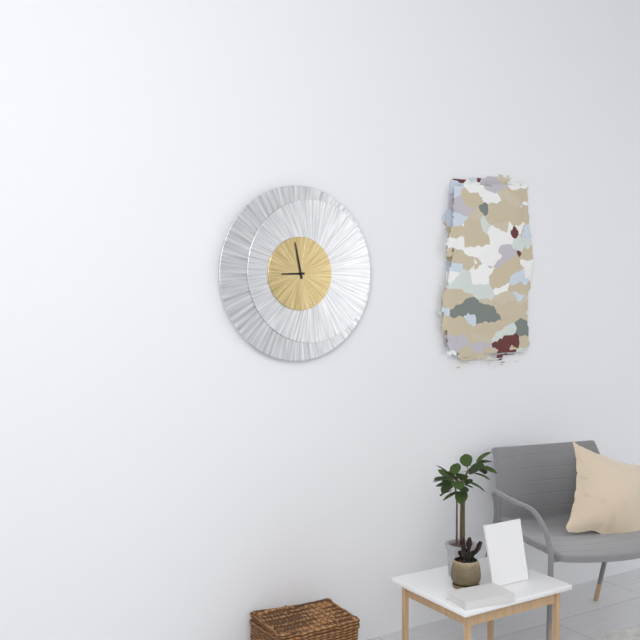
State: 8h58
